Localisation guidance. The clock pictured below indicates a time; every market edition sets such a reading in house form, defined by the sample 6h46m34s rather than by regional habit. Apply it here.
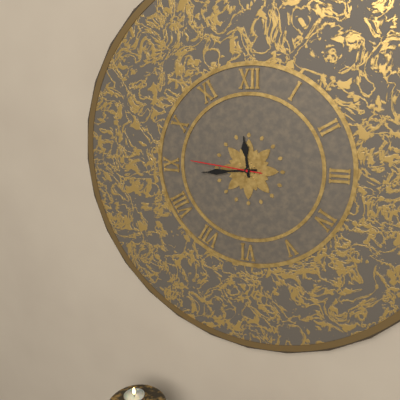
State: 11h44m46s
